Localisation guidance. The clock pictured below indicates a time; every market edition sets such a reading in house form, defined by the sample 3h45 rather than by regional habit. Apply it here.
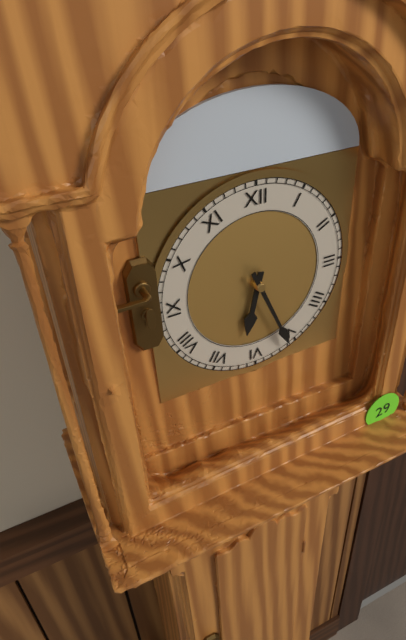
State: 6h26
